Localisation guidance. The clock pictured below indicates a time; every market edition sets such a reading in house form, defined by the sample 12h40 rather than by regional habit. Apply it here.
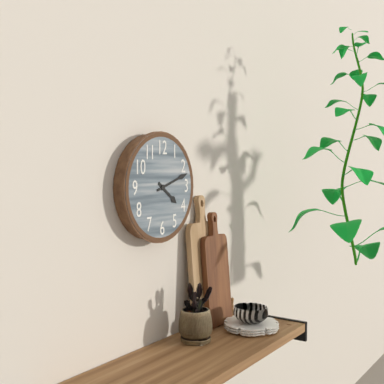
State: 4h12
